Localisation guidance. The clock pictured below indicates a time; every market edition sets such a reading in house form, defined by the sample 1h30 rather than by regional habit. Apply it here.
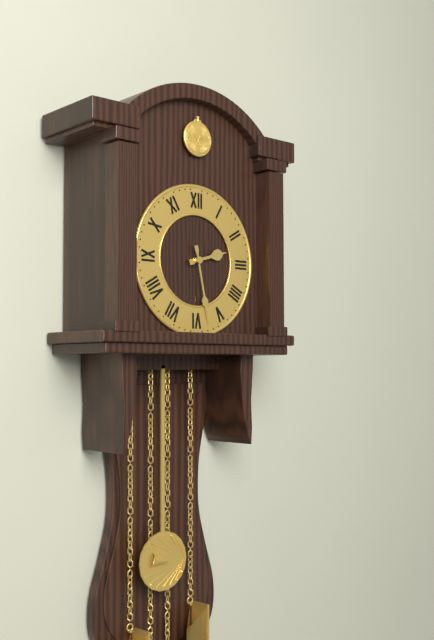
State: 2h28
